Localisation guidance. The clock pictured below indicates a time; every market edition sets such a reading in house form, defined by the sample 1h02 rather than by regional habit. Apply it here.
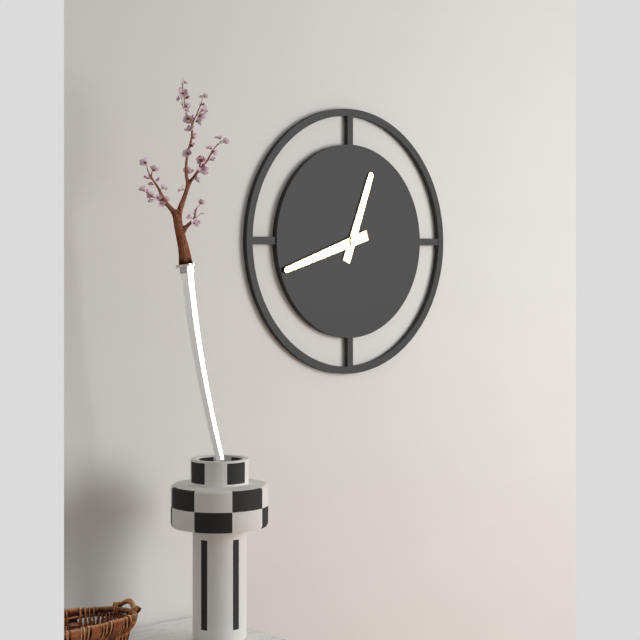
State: 12h42
